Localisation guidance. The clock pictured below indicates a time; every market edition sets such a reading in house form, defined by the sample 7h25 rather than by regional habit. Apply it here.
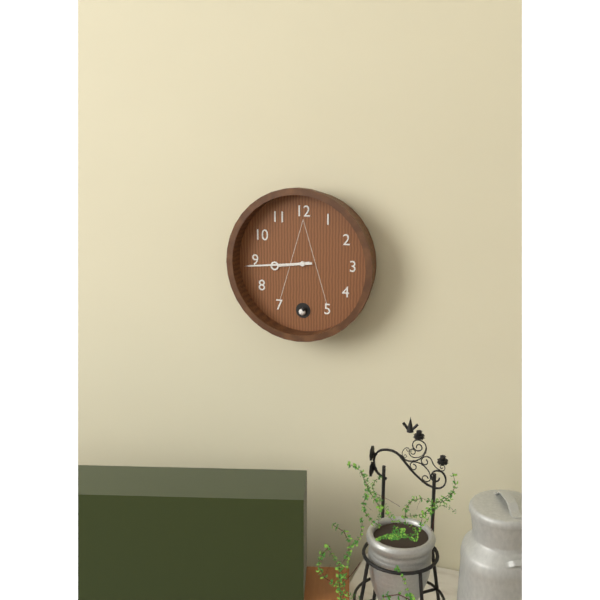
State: 8h44
